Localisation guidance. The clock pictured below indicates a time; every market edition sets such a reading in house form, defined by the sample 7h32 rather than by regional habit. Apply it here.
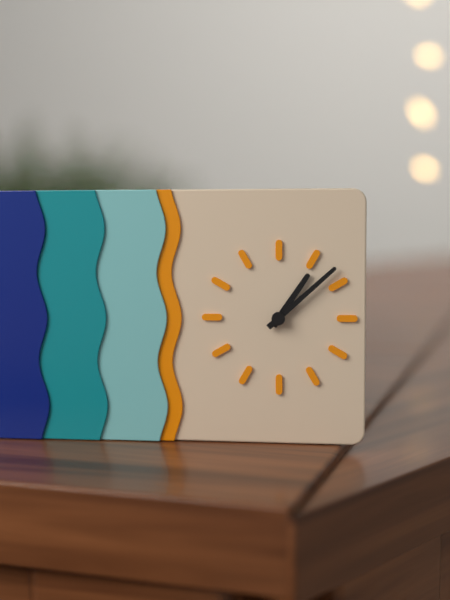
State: 1h08
